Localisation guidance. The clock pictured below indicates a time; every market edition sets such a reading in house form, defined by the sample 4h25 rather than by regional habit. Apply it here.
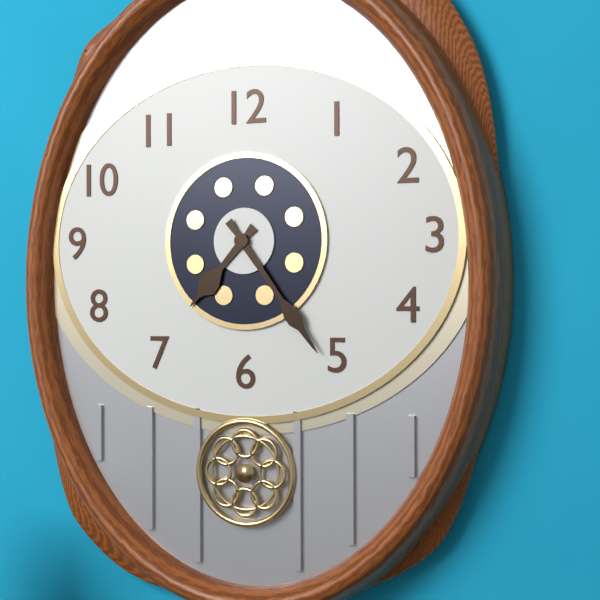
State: 7h24
